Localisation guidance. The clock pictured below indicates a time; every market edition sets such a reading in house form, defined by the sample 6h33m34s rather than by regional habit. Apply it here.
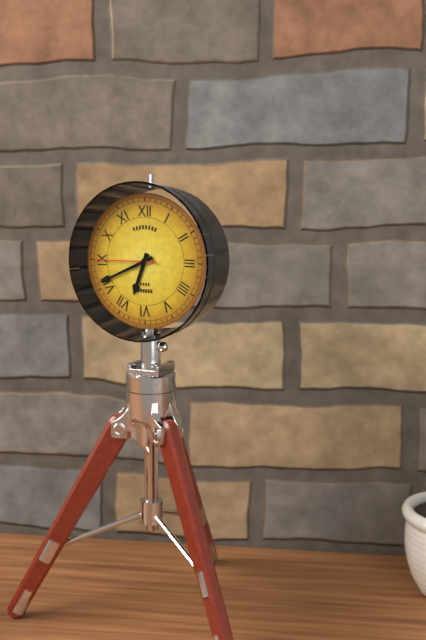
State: 6h41m45s
